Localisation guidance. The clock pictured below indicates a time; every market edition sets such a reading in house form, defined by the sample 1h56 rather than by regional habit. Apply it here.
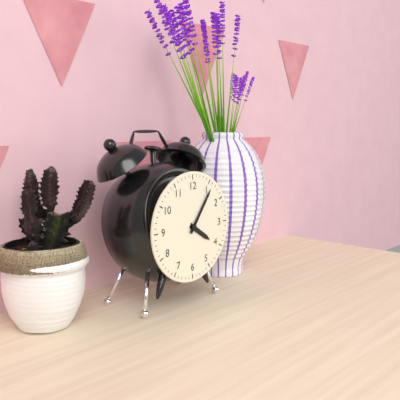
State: 4h06
